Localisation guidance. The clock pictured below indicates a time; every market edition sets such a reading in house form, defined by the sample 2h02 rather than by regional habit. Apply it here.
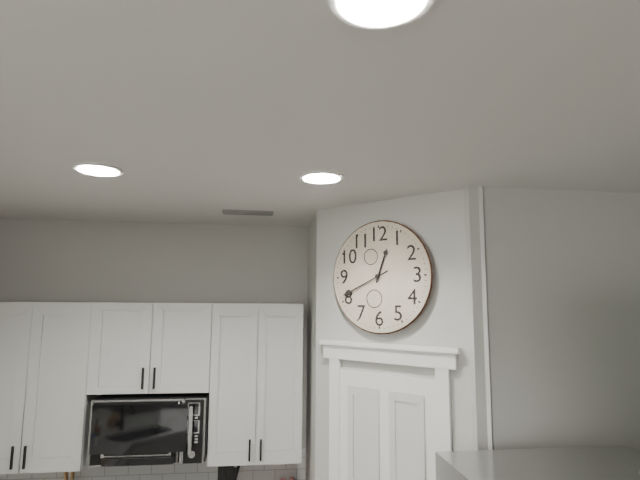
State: 12h41
